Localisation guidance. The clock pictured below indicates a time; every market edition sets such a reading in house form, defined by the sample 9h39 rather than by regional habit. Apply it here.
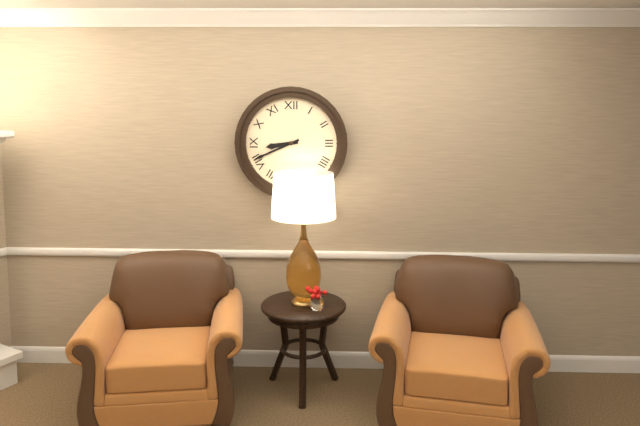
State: 8h41
